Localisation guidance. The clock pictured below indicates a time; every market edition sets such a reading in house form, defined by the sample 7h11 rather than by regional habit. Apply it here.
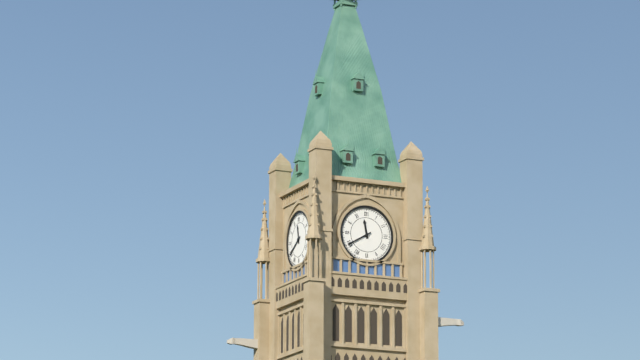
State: 11h40
